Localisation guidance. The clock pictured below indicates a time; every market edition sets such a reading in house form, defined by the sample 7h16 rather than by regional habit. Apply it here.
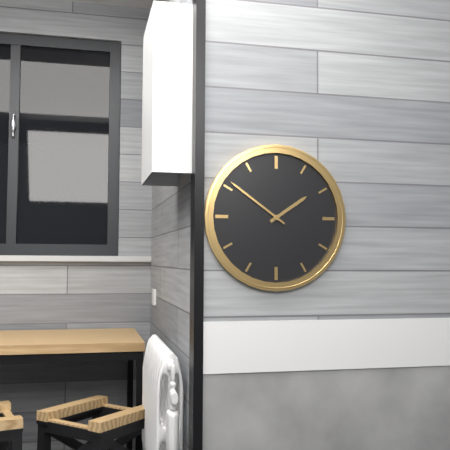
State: 1h51
